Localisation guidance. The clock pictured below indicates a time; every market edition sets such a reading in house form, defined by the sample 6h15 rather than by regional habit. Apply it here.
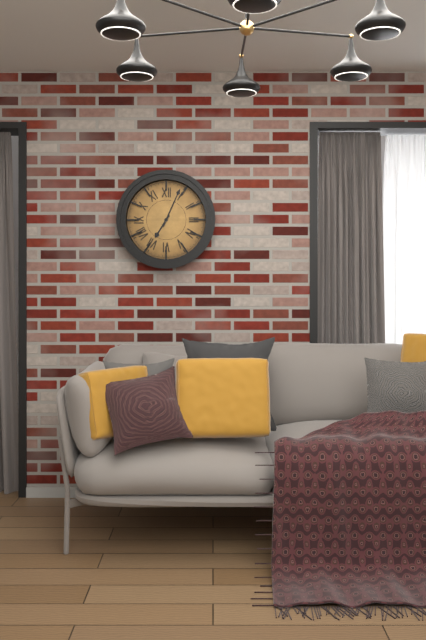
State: 7h04
